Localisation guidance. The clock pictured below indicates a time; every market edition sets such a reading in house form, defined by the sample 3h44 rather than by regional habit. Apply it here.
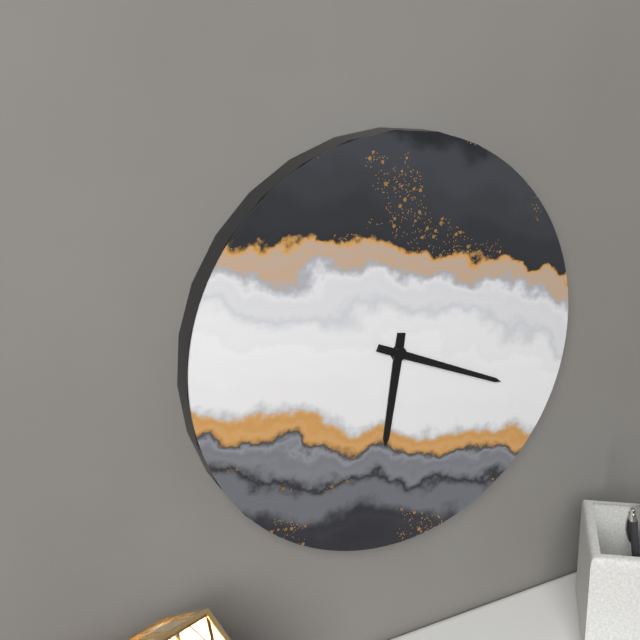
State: 6h19
